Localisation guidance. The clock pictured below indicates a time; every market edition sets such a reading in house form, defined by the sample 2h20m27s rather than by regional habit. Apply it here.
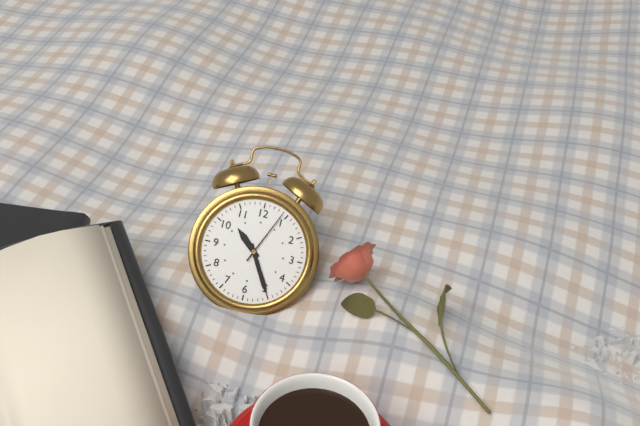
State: 10h25m04s
